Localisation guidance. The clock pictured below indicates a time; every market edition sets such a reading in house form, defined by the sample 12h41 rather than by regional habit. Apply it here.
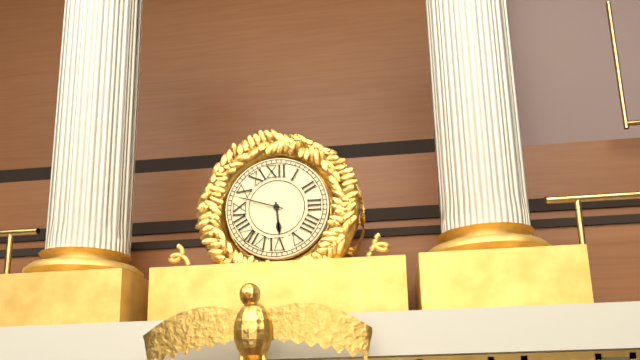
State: 5h48
